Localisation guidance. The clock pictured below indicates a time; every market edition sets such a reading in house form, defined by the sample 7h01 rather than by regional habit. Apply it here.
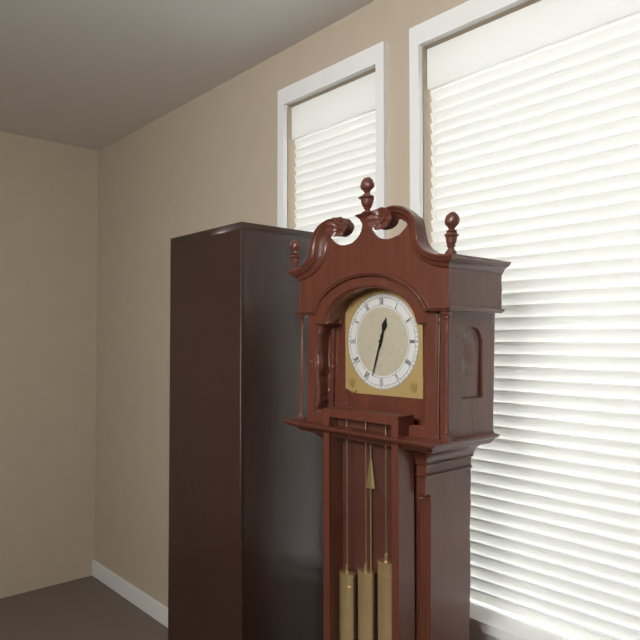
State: 12h33
